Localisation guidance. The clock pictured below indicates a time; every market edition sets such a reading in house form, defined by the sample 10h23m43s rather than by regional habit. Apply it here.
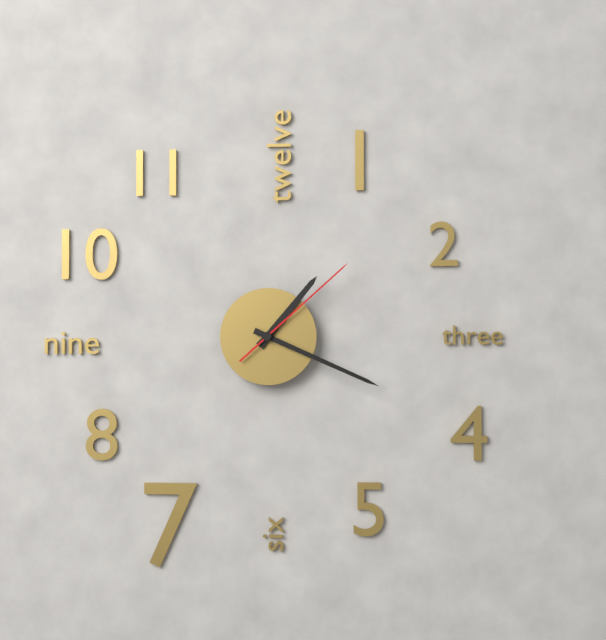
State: 1h19m08s
